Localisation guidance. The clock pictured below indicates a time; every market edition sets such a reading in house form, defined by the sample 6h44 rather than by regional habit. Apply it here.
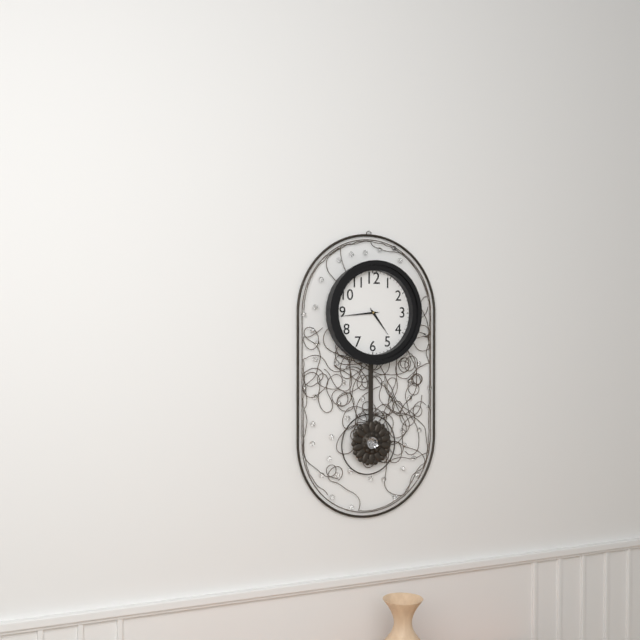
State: 4h44
